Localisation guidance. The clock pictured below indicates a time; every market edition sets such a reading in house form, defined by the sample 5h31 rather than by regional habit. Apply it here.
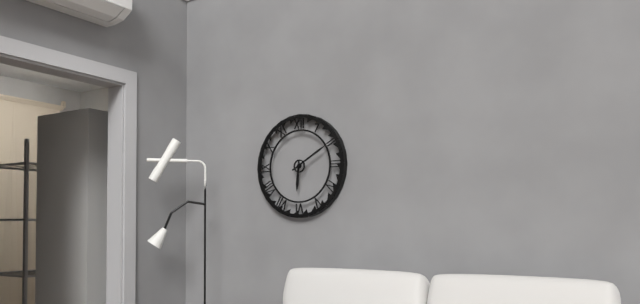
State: 6h10
